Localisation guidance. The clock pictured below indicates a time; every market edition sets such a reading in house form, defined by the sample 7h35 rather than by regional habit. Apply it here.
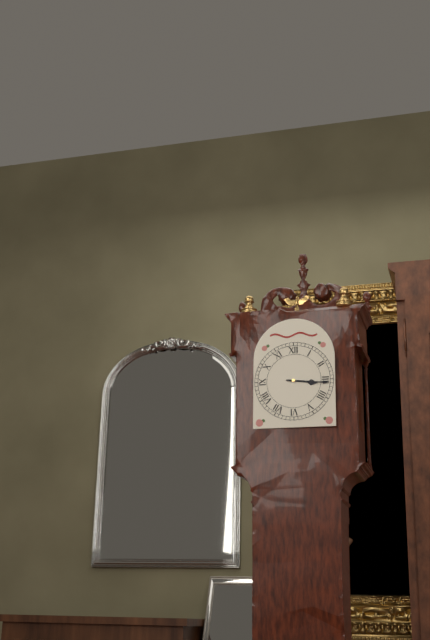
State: 3h16
